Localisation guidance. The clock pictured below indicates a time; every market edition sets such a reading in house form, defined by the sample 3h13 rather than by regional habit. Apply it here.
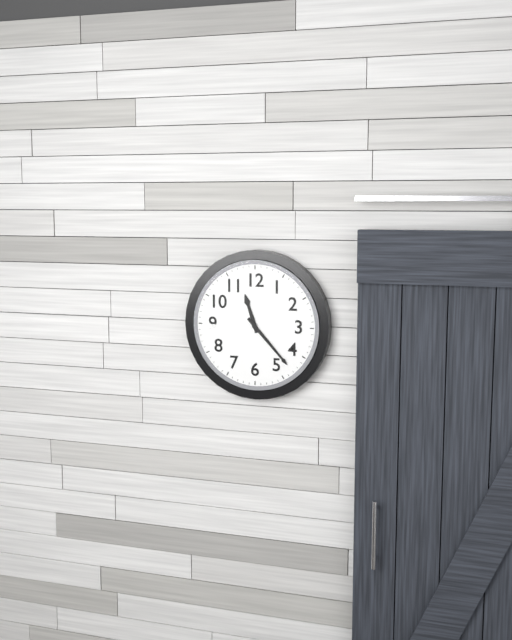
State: 11h23
